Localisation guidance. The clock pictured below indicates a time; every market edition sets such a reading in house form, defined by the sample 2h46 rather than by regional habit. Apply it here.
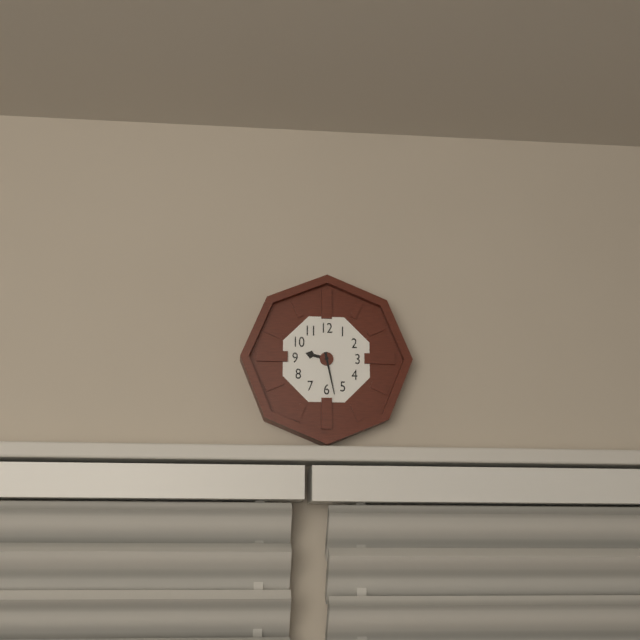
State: 9h28
